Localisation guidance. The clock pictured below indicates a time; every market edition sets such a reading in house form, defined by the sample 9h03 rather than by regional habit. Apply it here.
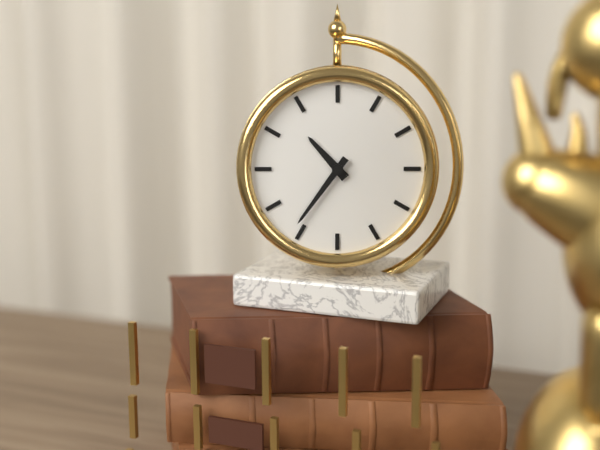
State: 10h36
